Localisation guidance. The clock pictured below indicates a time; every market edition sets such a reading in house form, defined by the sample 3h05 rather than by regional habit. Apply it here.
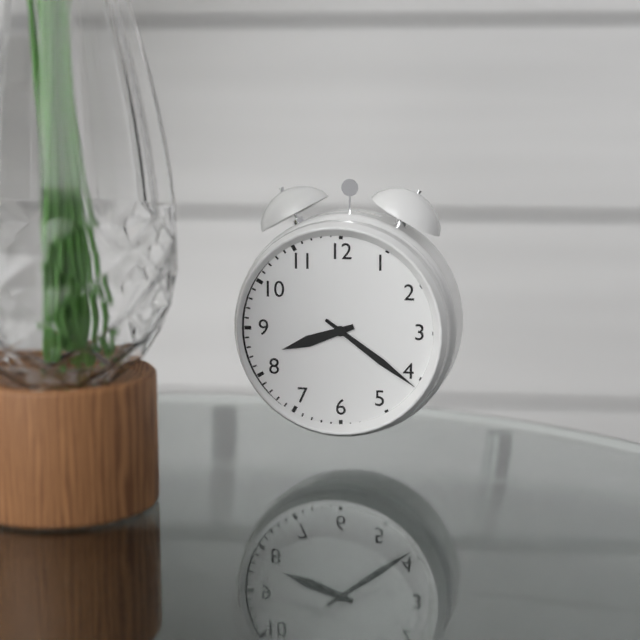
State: 8h21
